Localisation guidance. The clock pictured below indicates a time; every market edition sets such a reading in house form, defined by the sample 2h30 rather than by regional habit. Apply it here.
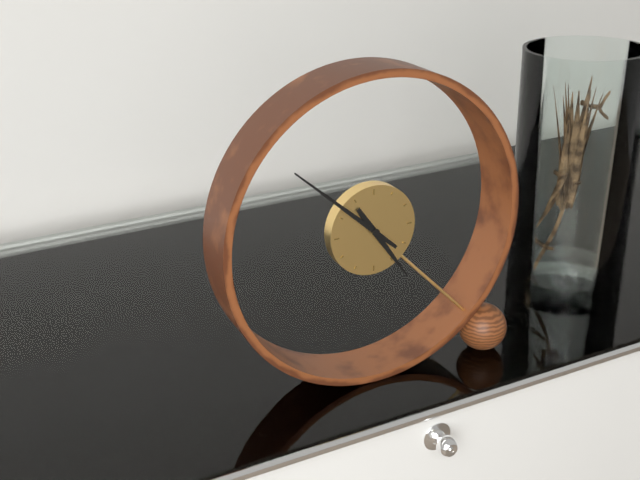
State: 4h52
